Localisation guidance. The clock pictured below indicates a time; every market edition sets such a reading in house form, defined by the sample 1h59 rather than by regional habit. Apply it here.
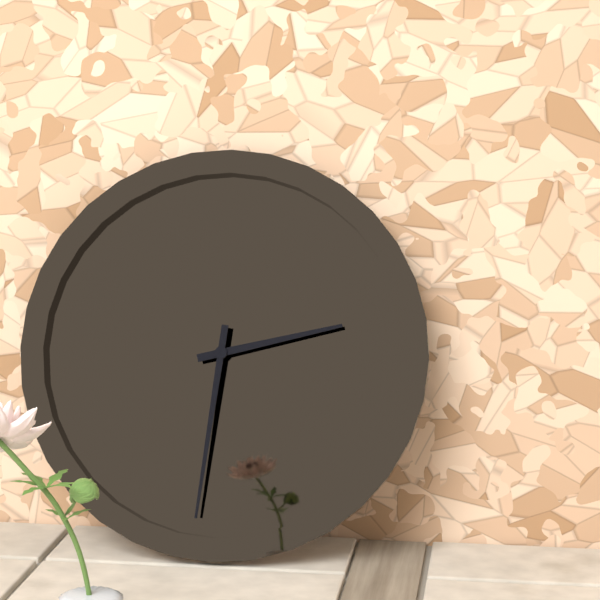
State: 2h31
